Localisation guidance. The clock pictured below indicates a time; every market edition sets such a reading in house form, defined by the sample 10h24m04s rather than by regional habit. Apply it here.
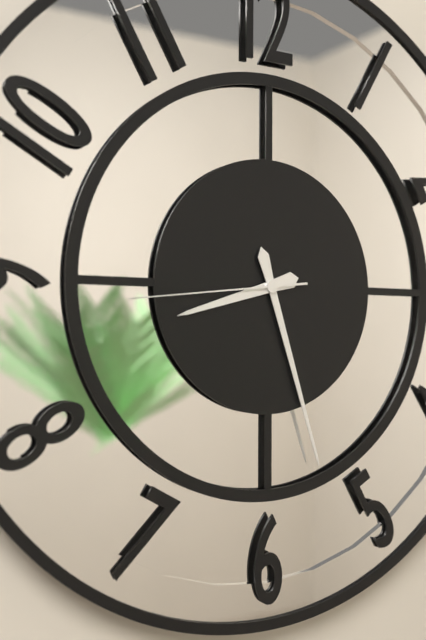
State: 8h27m44s
